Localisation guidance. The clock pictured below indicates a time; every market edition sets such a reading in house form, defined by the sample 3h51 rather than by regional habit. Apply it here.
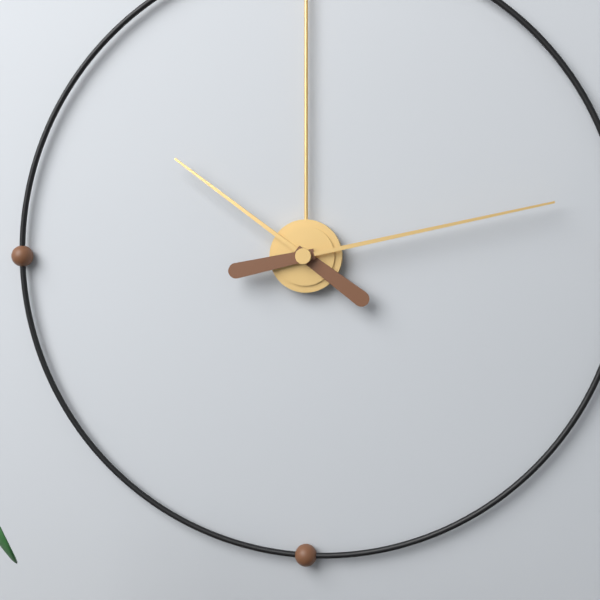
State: 10h13
